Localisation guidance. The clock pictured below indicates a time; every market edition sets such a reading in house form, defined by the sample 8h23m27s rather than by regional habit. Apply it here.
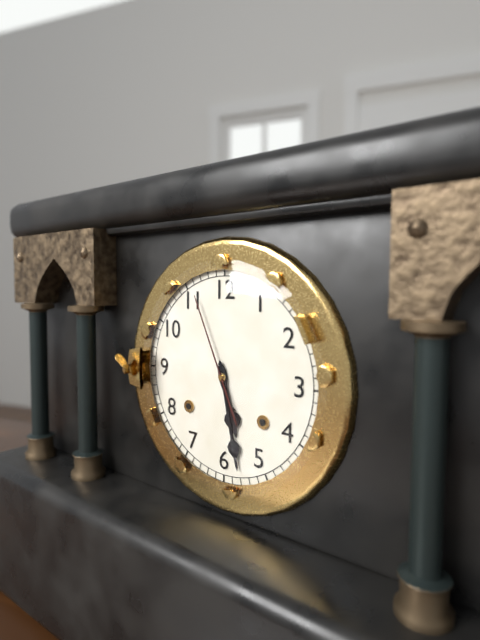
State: 5h28m56s
